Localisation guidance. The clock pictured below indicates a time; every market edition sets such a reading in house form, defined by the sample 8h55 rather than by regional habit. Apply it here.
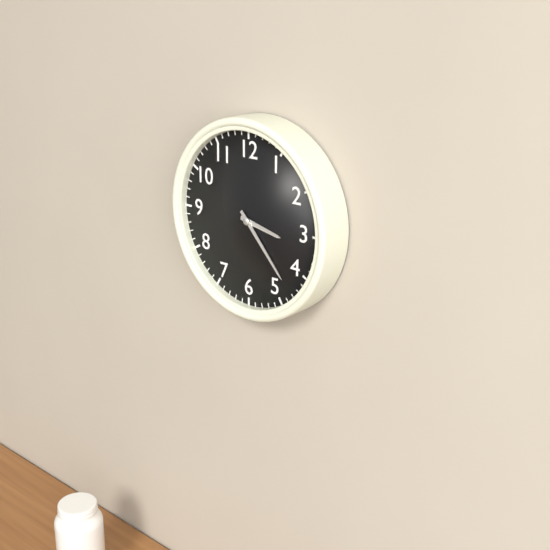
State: 3h23
